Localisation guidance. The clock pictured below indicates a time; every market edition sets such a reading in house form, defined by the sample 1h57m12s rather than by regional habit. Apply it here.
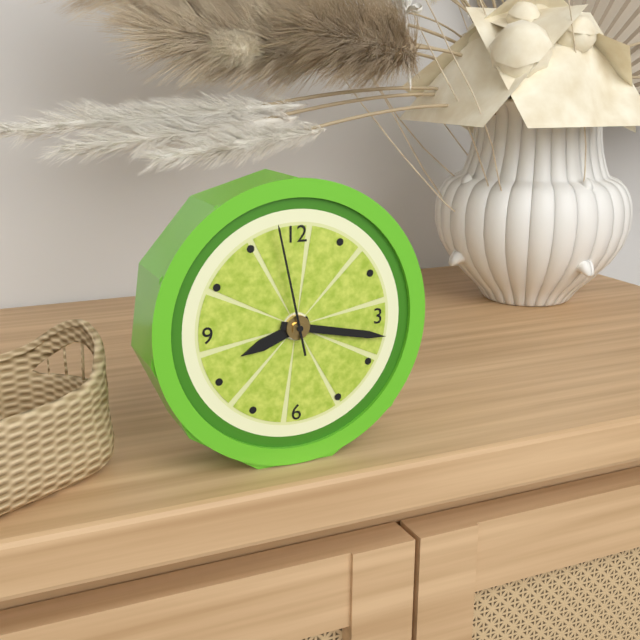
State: 8h17m58s
